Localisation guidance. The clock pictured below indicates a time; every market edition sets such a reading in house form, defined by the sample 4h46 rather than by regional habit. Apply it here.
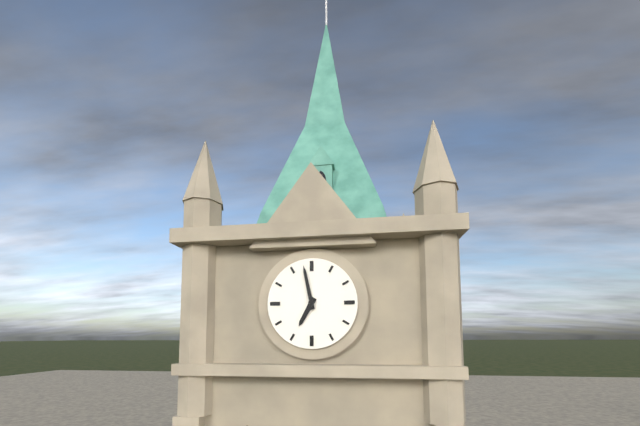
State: 6h58
